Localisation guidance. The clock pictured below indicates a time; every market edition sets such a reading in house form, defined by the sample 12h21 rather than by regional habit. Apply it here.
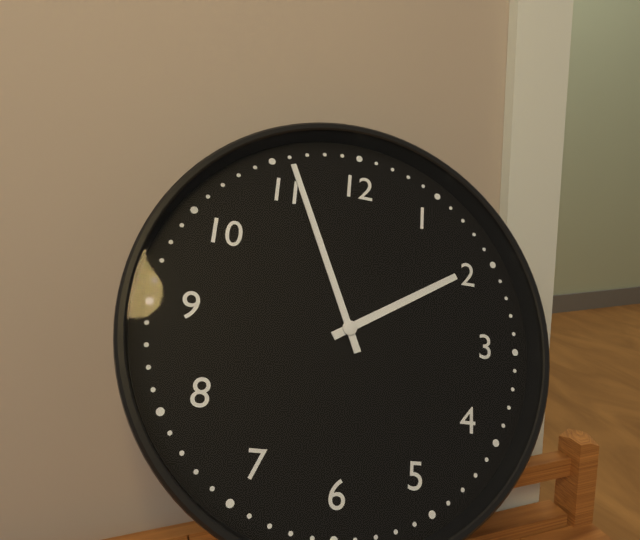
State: 1h56
